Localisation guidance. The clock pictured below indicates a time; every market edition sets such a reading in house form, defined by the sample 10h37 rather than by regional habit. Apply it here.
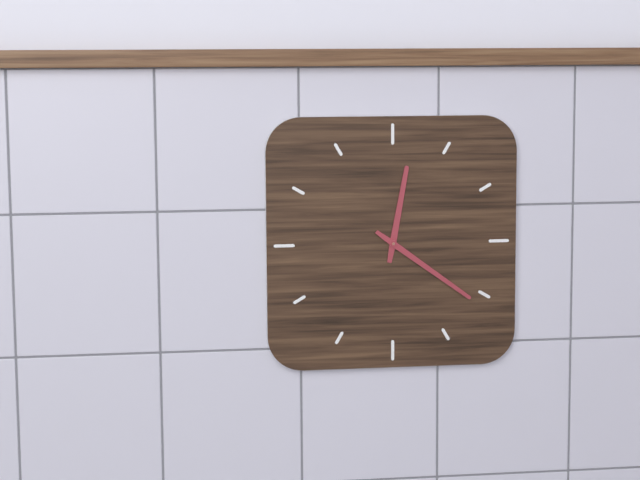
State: 12h21
